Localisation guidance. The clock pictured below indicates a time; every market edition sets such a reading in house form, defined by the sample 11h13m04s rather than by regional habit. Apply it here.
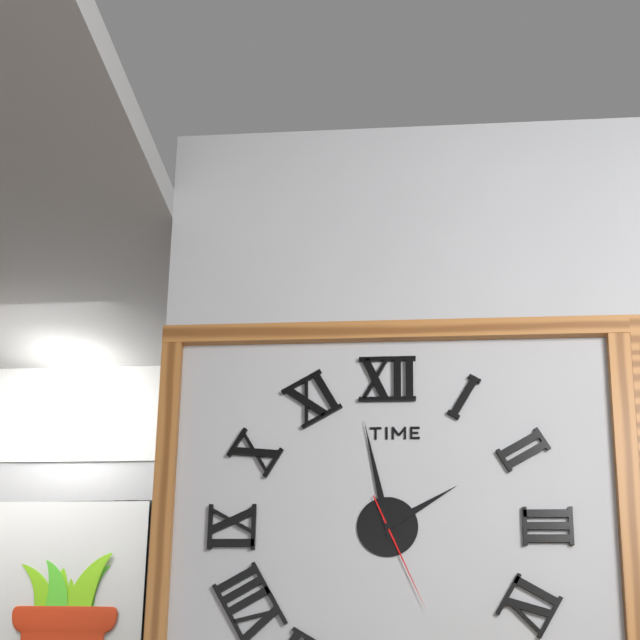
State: 1h58m26s
